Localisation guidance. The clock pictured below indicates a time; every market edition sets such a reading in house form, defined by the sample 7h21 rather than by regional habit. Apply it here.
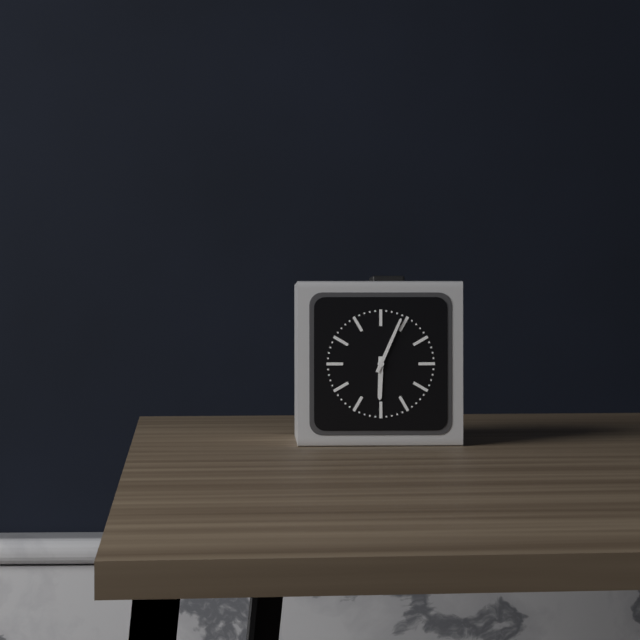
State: 6h04
